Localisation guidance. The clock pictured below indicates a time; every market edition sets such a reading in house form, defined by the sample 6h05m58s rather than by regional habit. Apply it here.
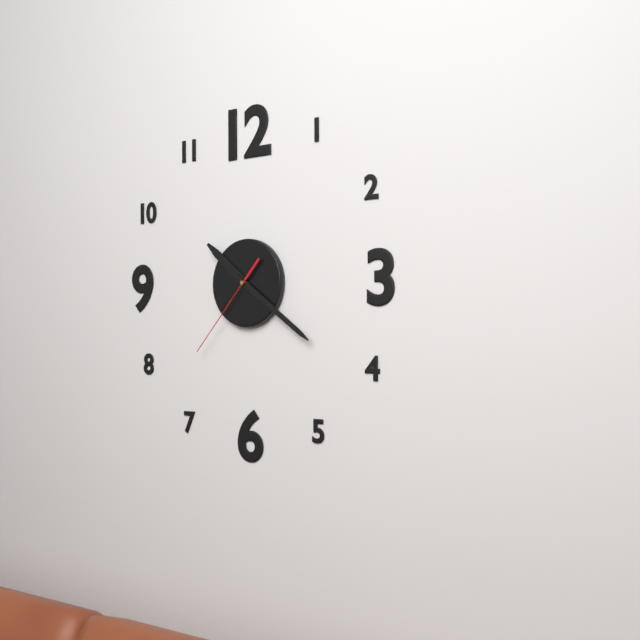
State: 10h21m37s
